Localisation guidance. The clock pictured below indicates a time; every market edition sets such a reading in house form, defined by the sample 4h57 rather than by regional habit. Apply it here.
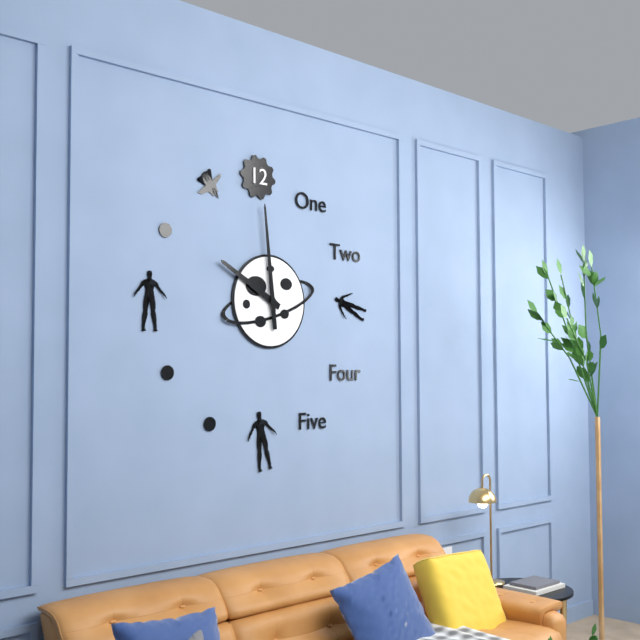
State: 9h59
